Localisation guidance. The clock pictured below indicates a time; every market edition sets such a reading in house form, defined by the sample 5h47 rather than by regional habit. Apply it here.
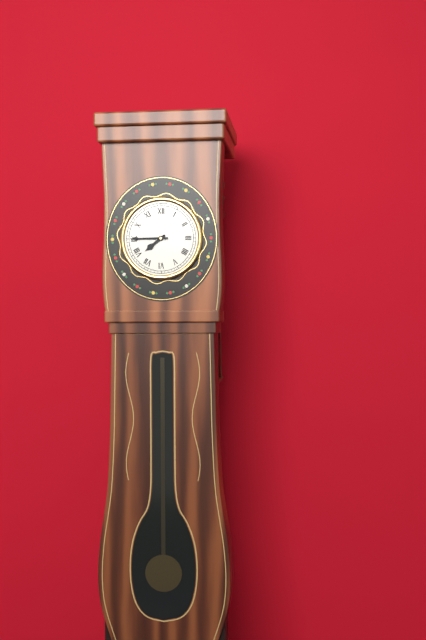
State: 7h45
